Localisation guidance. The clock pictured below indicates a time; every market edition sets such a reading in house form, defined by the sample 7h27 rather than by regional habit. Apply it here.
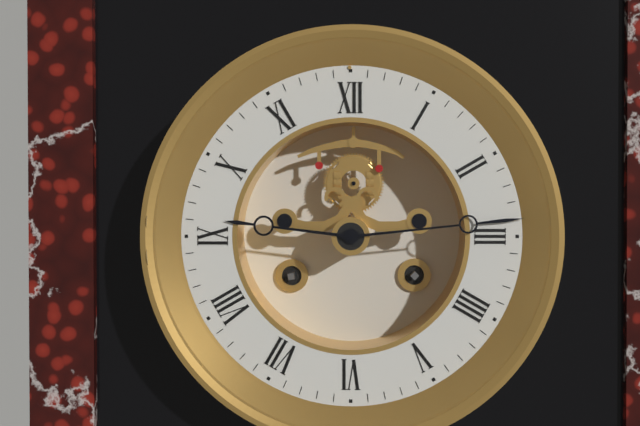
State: 9h14
